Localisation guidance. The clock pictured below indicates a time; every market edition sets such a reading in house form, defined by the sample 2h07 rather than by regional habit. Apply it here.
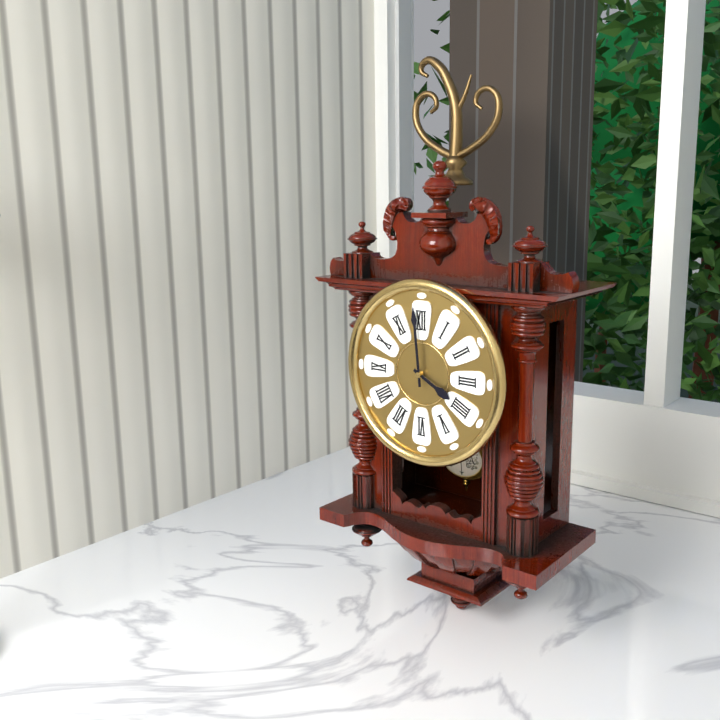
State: 3h59
